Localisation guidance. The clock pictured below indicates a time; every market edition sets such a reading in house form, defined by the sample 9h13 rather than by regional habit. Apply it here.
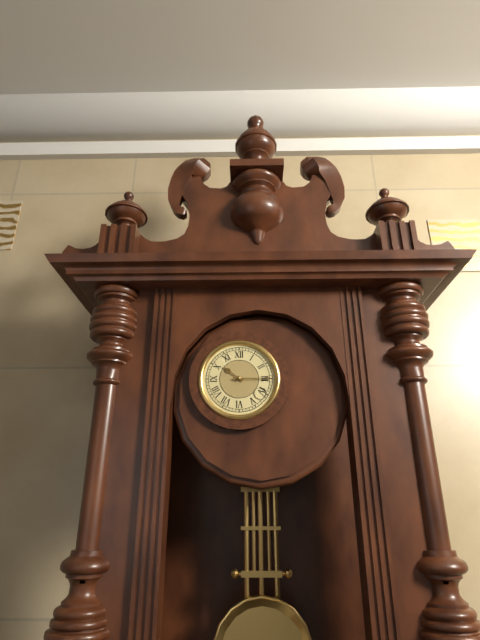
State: 10h15
